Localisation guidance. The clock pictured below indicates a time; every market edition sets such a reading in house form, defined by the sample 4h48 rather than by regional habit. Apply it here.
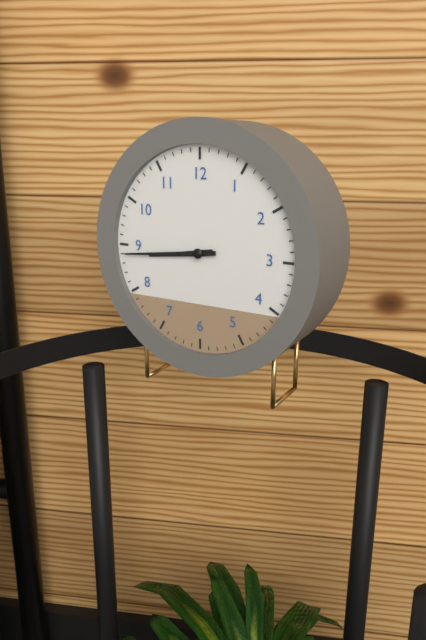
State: 8h44
